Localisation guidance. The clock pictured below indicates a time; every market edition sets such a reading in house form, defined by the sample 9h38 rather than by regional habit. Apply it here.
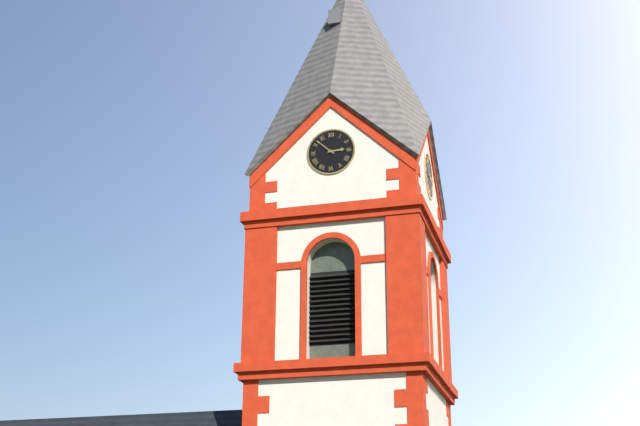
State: 2h52
